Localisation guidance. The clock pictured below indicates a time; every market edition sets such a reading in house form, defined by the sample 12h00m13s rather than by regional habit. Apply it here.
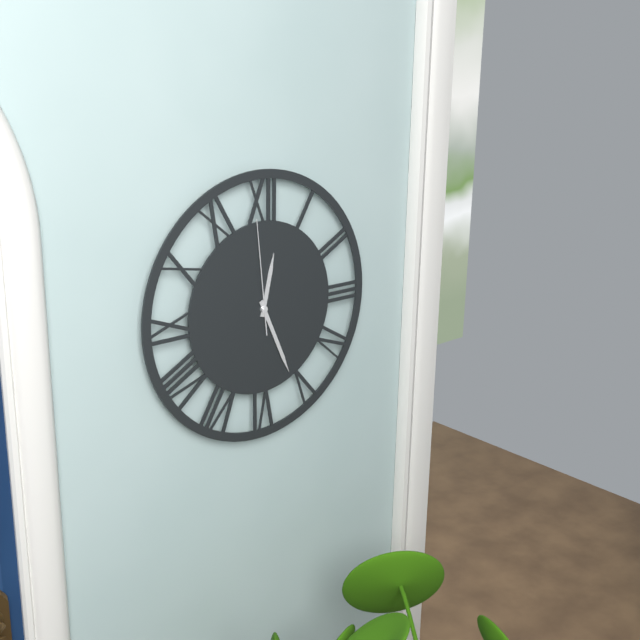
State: 12h26m59s
